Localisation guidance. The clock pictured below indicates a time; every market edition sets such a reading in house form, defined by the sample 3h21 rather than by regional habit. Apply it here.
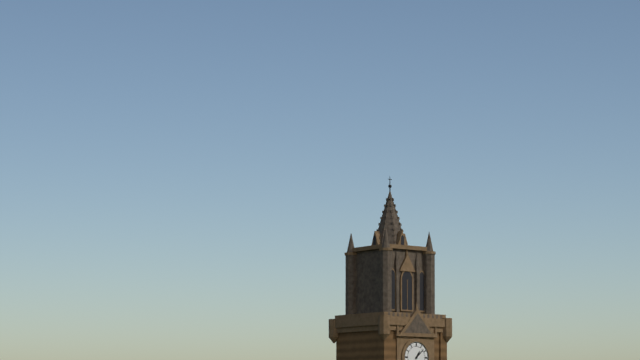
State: 1h08
